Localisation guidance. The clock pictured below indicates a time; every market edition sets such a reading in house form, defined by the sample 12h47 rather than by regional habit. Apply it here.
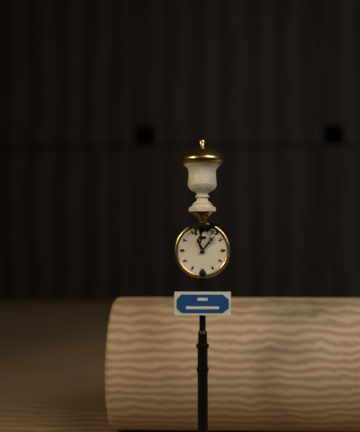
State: 11h07
